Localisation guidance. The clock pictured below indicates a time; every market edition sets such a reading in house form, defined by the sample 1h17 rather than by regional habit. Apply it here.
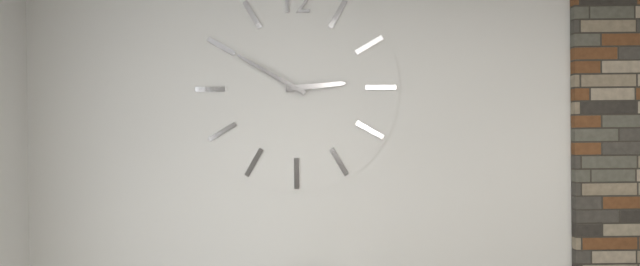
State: 2h50
